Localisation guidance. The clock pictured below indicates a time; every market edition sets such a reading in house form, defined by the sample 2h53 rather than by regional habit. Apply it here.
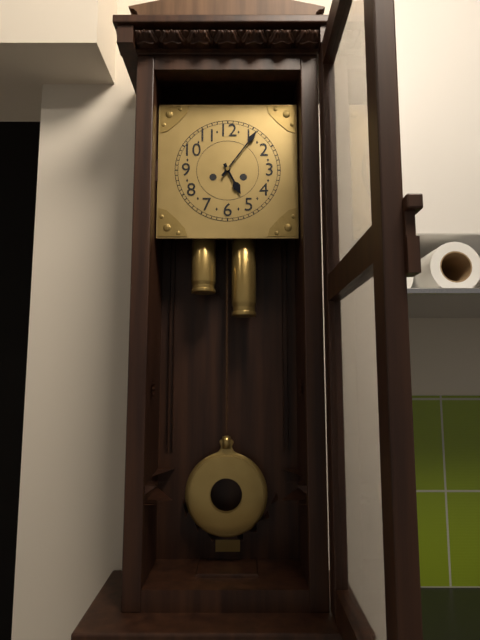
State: 5h06
